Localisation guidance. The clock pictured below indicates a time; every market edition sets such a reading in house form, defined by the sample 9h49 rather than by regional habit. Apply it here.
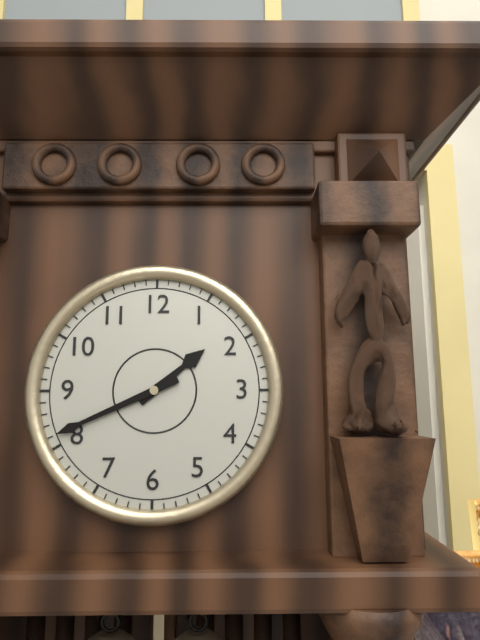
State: 1h41
